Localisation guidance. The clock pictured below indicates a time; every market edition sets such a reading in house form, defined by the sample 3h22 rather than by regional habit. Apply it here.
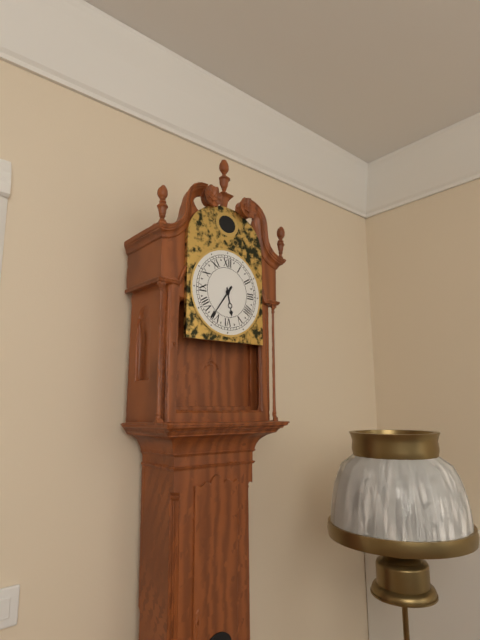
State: 5h36
